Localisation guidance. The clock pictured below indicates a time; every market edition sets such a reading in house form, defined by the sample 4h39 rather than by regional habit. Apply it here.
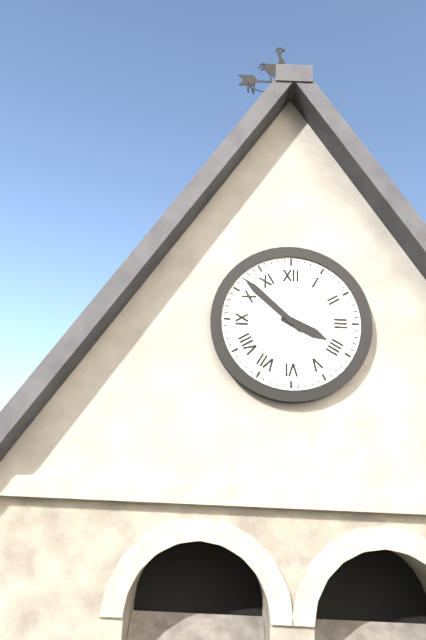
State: 3h52
